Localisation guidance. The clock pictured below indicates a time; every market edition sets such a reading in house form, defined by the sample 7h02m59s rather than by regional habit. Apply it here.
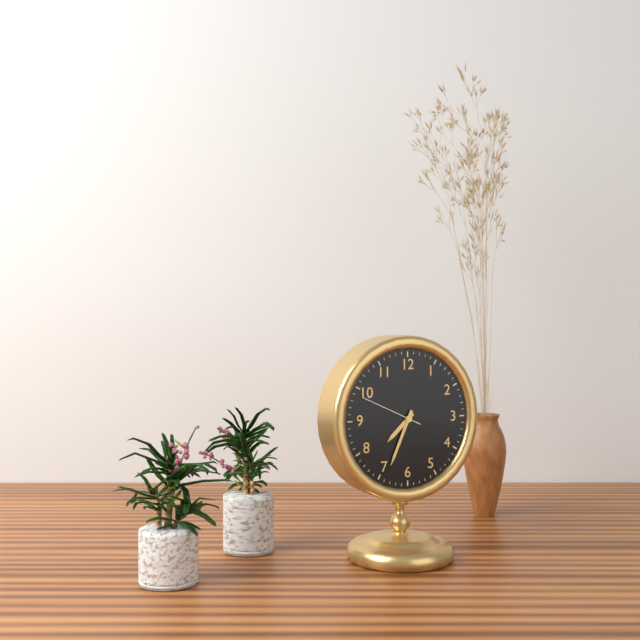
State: 7h34m49s
